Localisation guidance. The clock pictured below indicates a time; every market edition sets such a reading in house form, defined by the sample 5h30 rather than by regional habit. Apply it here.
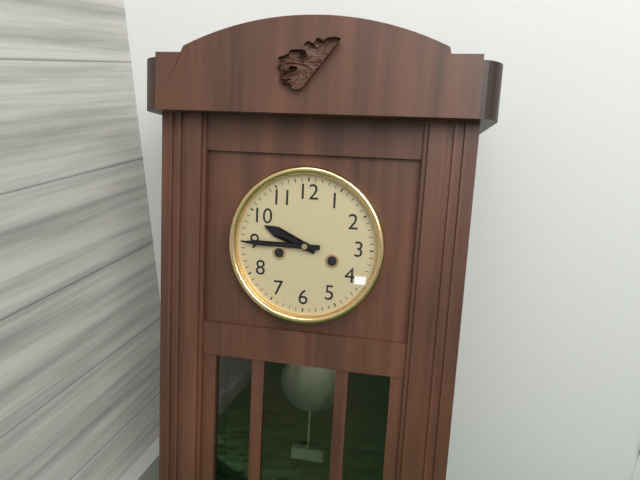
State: 9h45
